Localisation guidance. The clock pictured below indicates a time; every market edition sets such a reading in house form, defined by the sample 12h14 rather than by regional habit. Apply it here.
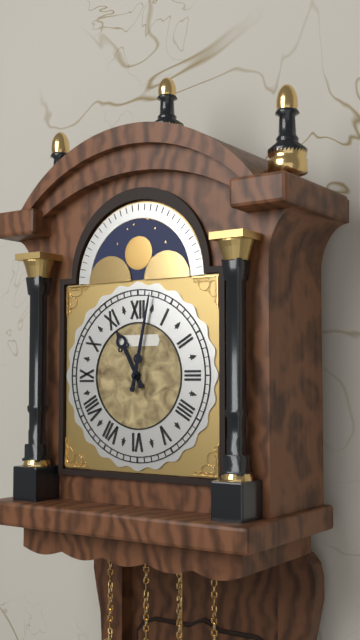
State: 11h02
